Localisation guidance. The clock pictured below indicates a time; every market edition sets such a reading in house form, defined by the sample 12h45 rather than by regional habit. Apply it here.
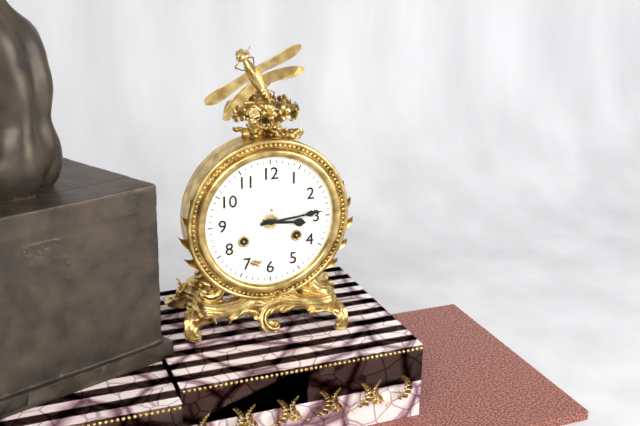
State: 3h14
